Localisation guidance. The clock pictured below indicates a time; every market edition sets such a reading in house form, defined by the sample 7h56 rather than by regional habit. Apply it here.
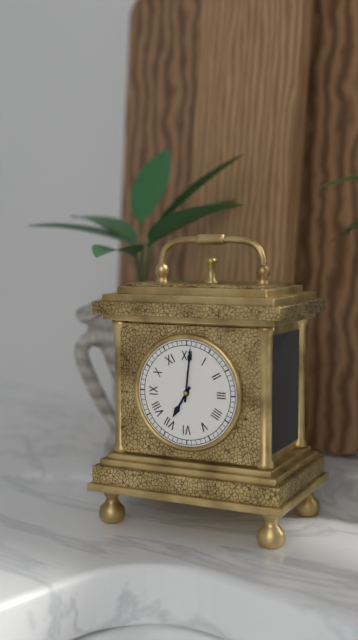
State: 7h01
